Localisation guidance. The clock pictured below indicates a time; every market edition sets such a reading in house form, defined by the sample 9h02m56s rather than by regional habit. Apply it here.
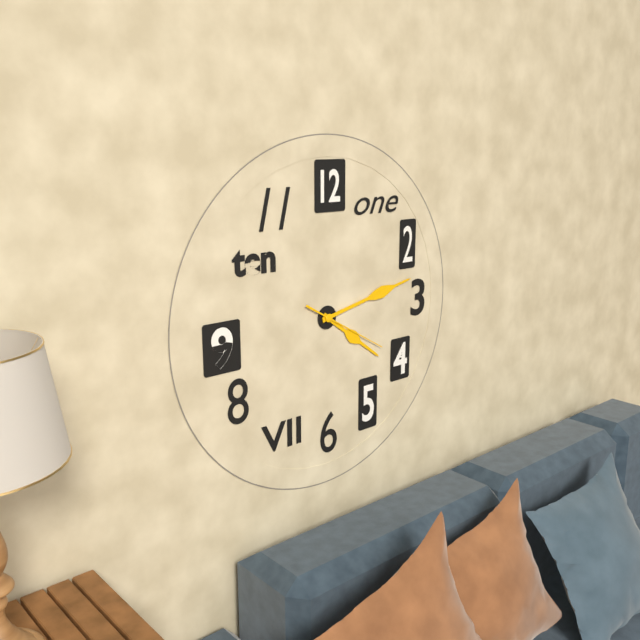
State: 4h13m20s
